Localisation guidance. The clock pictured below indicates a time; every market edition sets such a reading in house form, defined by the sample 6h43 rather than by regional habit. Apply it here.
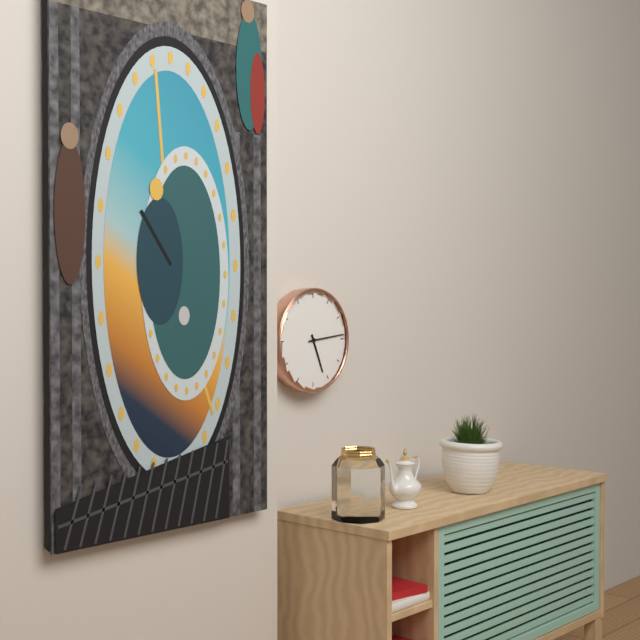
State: 5h14
